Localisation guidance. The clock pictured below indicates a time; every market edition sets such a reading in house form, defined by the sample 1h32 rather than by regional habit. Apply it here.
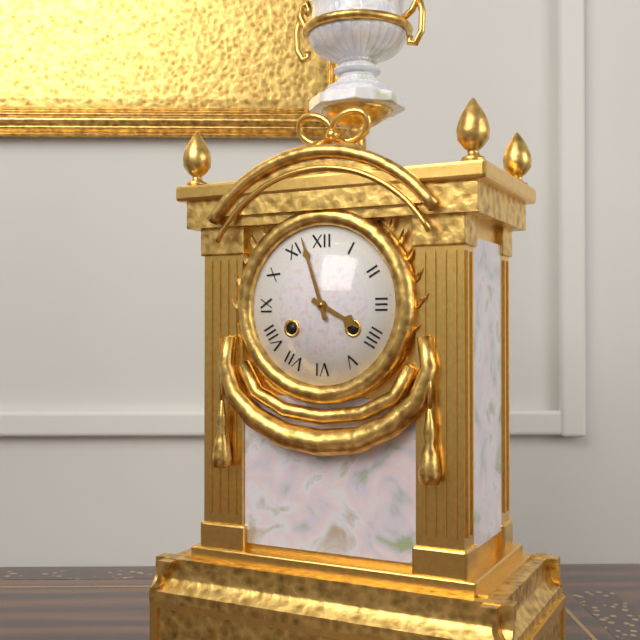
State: 3h57
